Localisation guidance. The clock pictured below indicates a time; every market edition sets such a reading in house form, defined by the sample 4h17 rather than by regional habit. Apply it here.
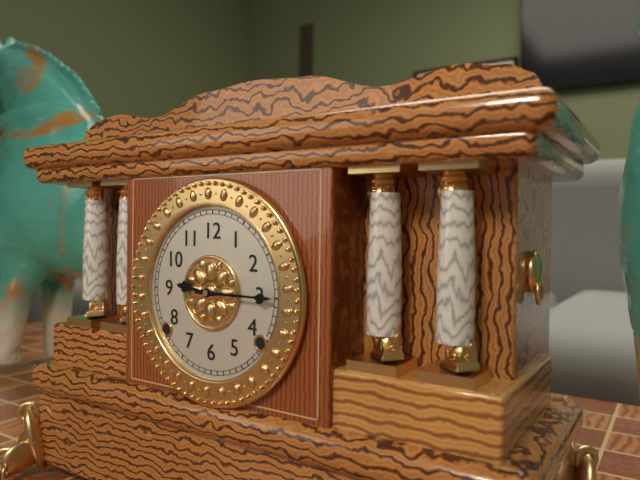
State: 9h15
